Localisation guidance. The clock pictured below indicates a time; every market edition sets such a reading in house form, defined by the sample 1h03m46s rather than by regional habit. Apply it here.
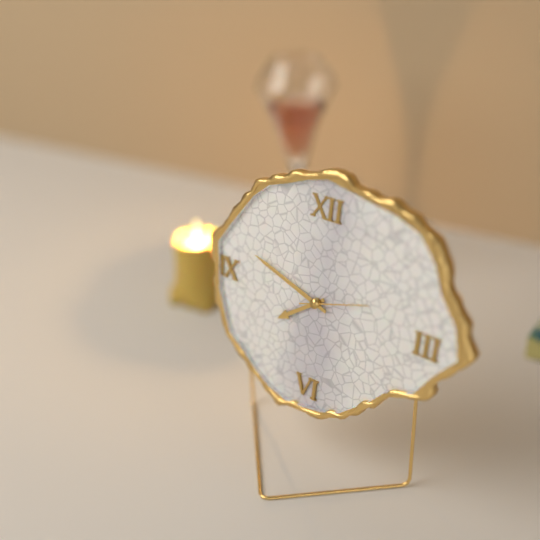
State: 7h48m12s
